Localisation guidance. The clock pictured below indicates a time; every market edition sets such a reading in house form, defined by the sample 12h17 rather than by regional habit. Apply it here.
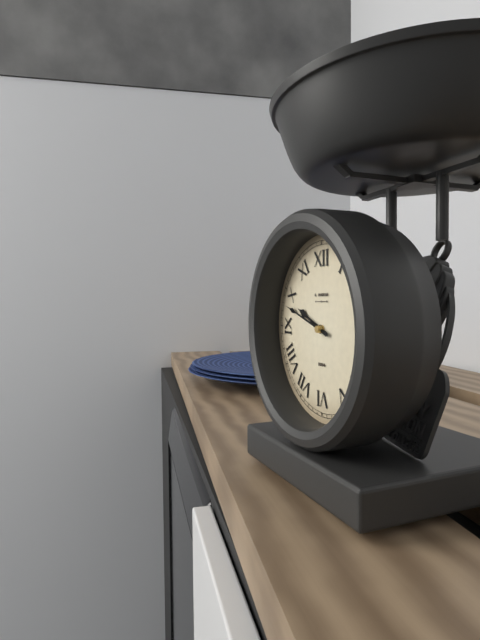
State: 9h48
